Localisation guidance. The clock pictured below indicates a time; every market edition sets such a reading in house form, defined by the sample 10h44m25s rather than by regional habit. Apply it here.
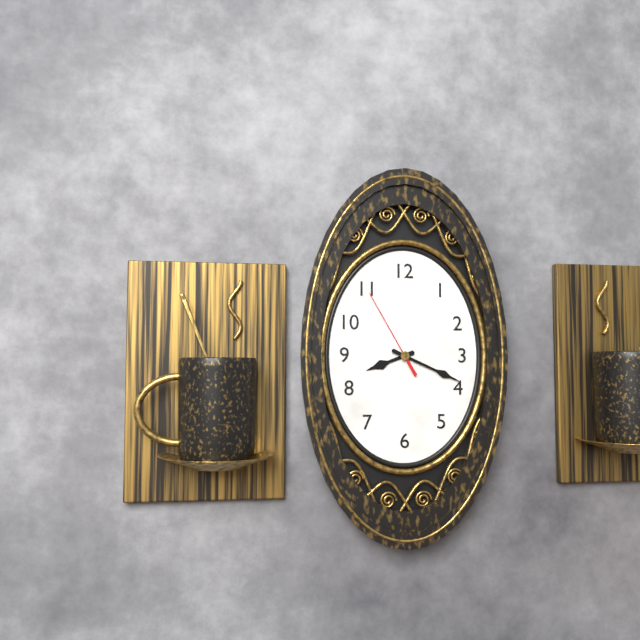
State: 8h19m55s
